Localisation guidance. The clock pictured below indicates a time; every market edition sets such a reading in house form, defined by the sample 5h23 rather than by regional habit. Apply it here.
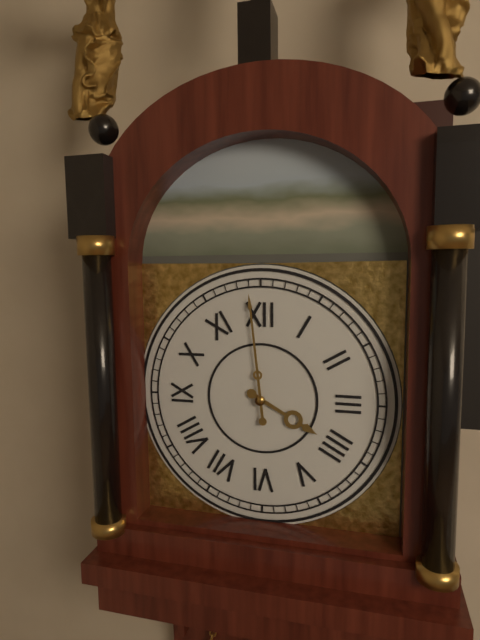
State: 3h59
